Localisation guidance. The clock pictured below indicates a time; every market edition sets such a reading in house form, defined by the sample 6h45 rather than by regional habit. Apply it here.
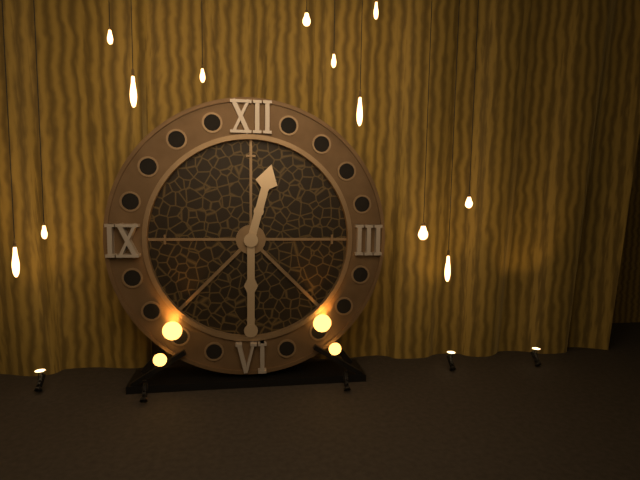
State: 12h30
